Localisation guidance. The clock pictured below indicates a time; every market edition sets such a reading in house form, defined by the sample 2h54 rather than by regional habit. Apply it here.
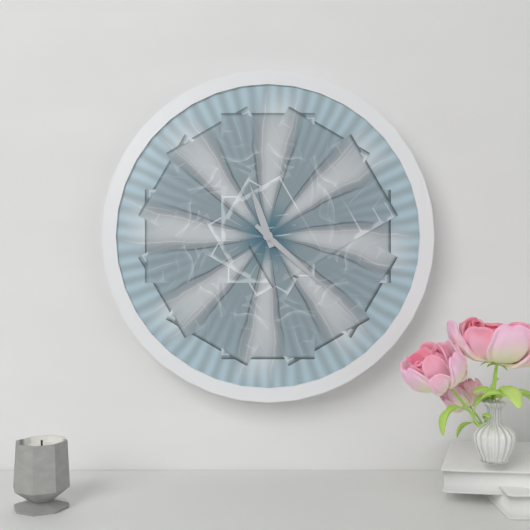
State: 11h22
